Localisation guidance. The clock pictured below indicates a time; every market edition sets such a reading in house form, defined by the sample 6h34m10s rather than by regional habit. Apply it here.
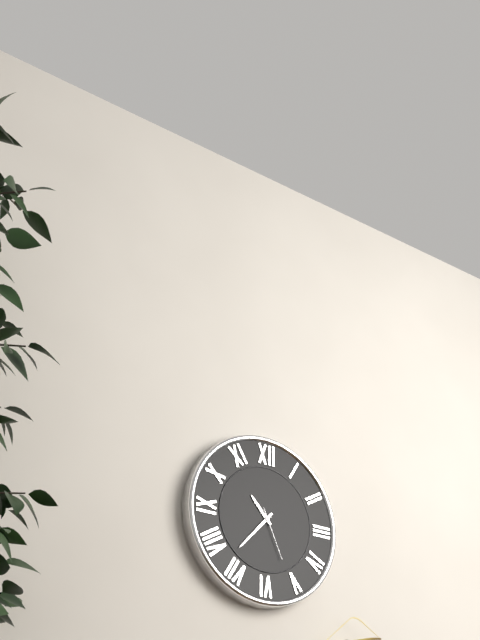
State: 10h37m26s
